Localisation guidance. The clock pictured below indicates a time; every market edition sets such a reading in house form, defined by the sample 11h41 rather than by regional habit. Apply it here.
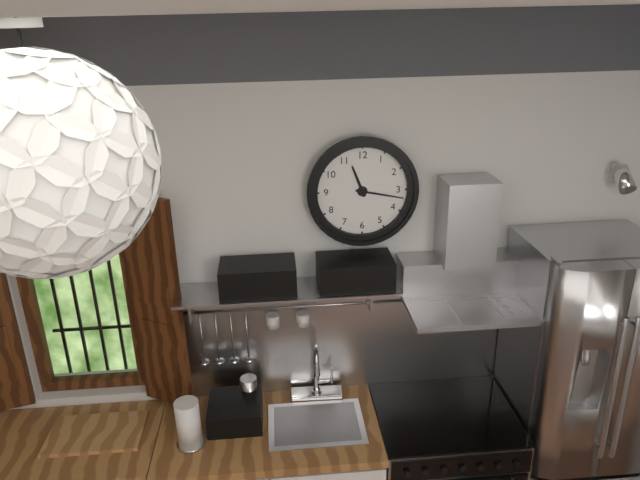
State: 11h17
